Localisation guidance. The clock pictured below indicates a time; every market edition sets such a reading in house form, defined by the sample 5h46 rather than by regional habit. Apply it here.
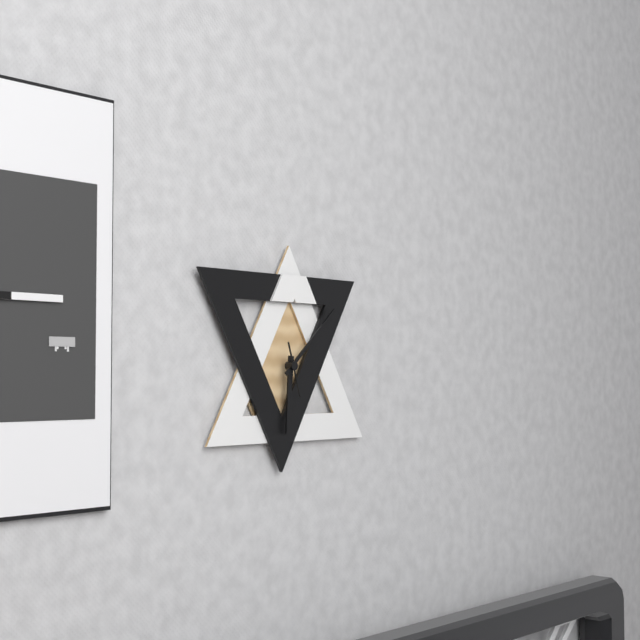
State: 6h08
